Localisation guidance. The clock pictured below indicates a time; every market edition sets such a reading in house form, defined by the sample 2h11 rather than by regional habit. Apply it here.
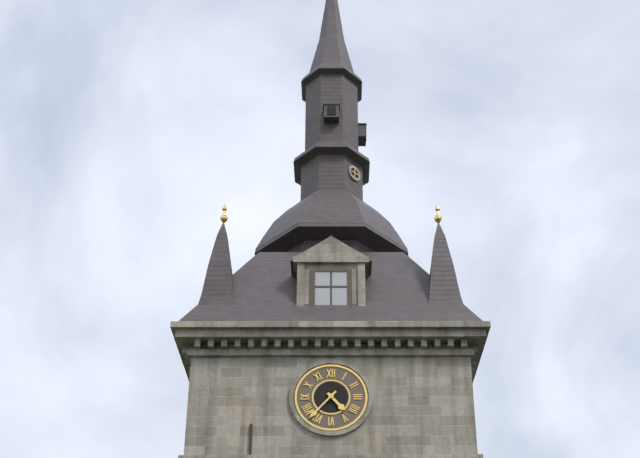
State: 4h37
